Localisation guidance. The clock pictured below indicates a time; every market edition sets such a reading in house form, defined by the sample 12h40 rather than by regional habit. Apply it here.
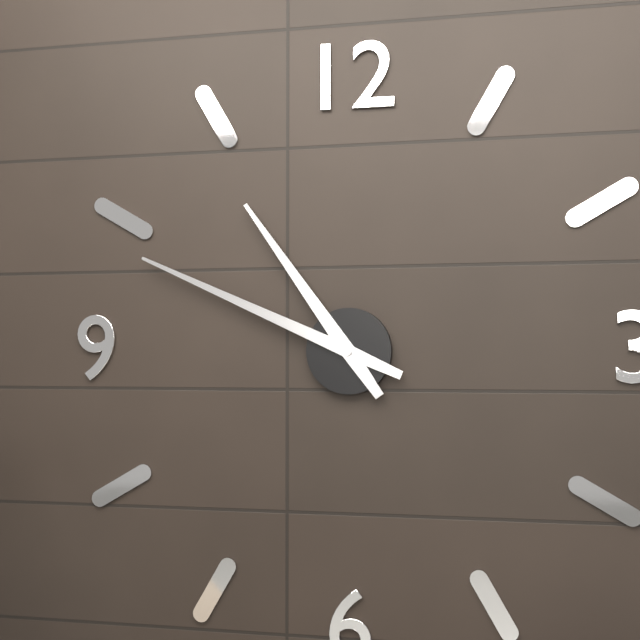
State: 10h49
